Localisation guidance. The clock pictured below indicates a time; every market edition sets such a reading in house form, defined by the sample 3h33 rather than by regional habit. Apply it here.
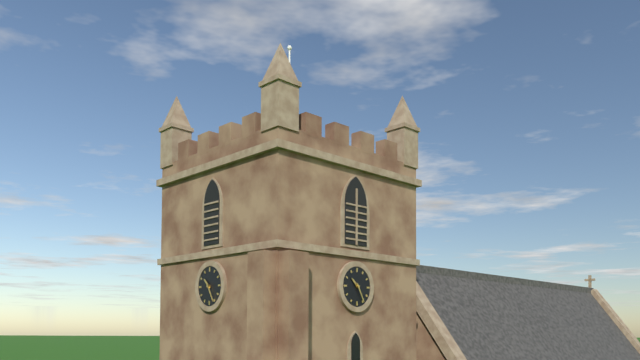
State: 10h25
